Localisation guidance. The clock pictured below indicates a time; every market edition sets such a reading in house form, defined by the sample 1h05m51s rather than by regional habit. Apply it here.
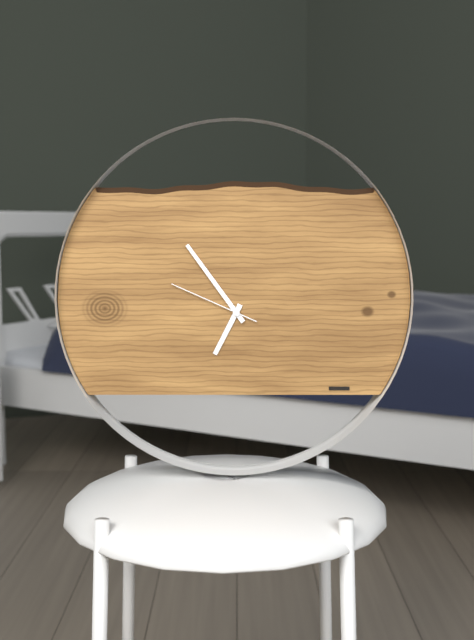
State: 6h54m49s
